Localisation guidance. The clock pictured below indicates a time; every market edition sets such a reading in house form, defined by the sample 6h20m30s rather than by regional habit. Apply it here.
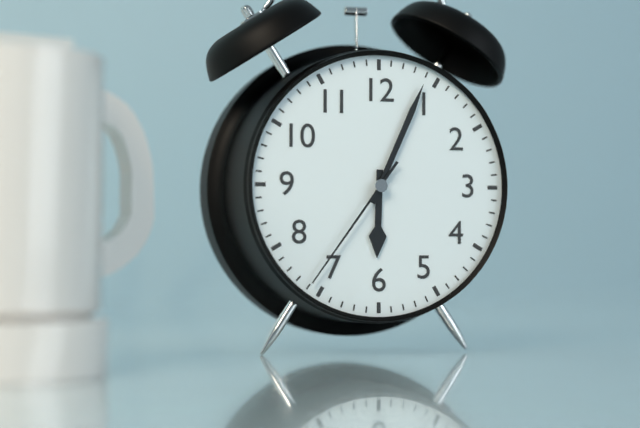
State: 6h04m36s
